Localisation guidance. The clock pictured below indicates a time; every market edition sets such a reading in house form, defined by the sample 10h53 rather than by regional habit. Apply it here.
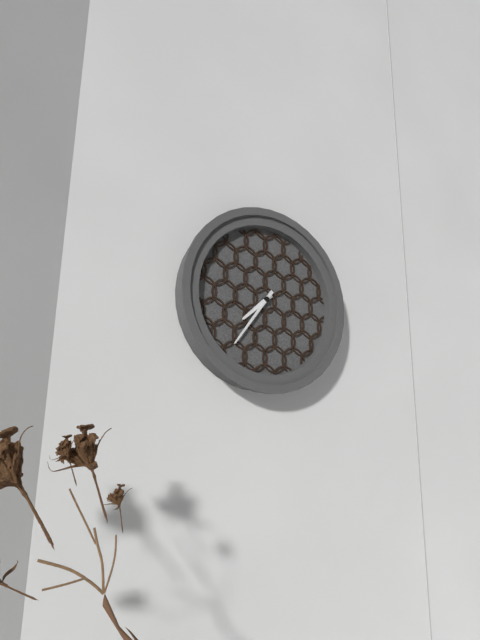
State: 7h36
